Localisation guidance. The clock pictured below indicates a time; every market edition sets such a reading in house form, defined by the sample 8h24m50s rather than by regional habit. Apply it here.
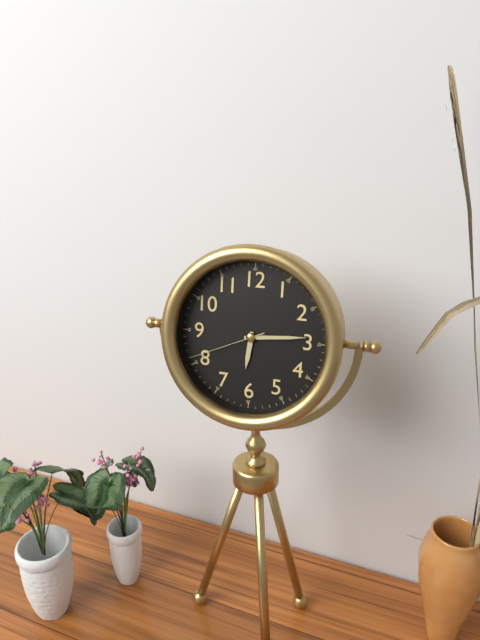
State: 6h14m41s
